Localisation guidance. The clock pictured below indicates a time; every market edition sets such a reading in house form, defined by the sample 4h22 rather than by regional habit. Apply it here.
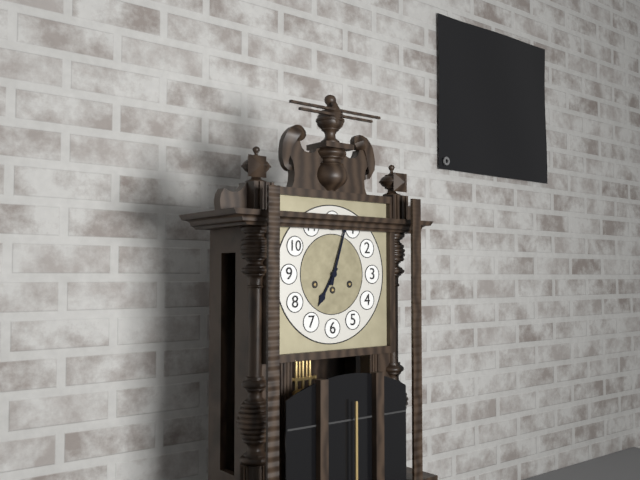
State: 7h03
